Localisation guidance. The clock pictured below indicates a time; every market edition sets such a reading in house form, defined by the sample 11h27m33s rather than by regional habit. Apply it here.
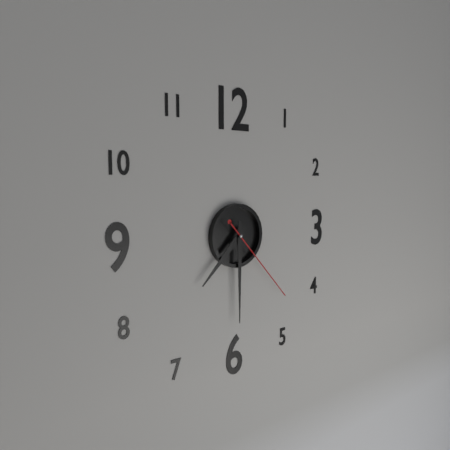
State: 7h30m23s
